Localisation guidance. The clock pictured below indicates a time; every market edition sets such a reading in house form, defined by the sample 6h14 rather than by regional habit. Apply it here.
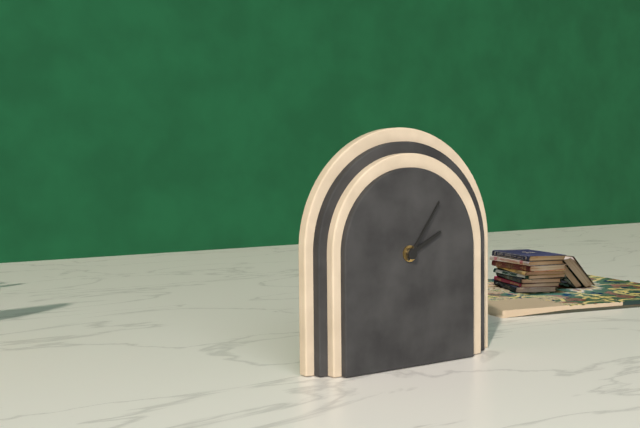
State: 2h06
